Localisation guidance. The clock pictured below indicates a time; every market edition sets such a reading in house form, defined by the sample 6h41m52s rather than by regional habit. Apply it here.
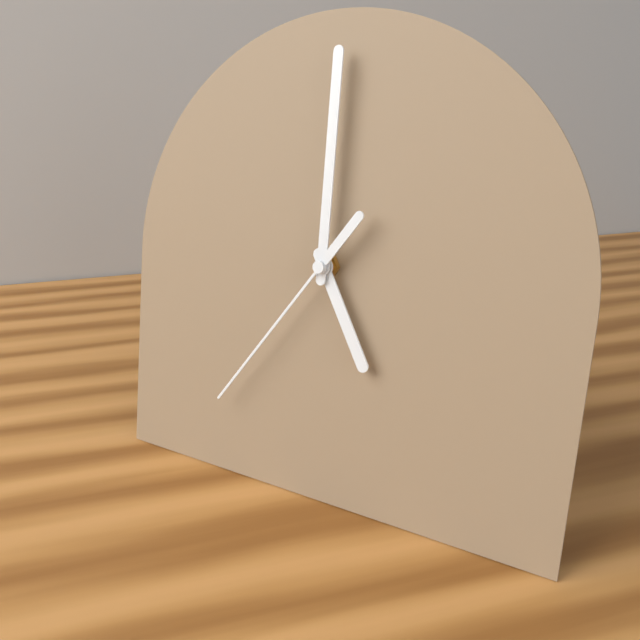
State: 5h00m36s
